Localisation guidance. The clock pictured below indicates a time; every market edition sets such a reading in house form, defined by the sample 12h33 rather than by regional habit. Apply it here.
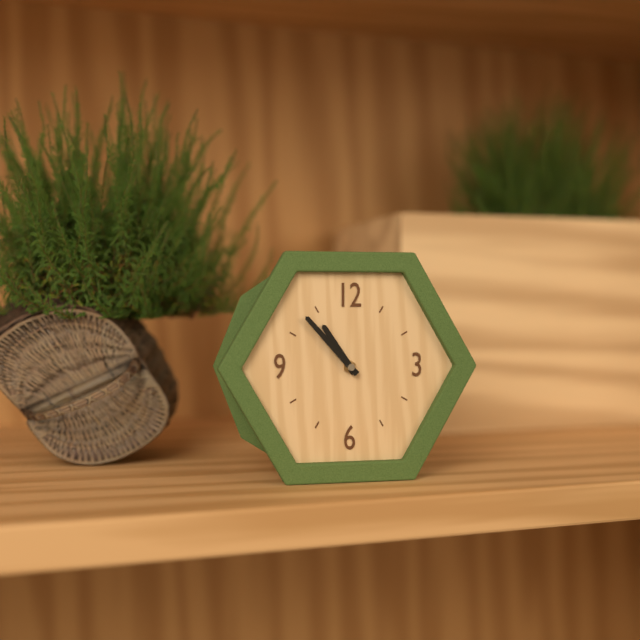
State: 10h53
